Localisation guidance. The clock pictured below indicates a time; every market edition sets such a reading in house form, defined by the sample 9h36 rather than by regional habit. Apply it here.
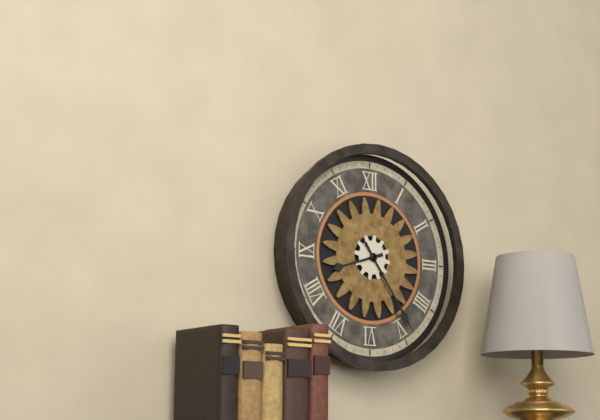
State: 8h24
